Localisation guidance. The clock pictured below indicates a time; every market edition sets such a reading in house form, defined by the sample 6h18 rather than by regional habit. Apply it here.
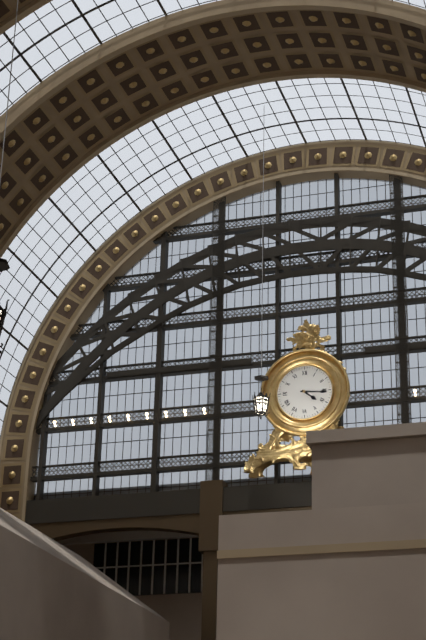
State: 4h16
